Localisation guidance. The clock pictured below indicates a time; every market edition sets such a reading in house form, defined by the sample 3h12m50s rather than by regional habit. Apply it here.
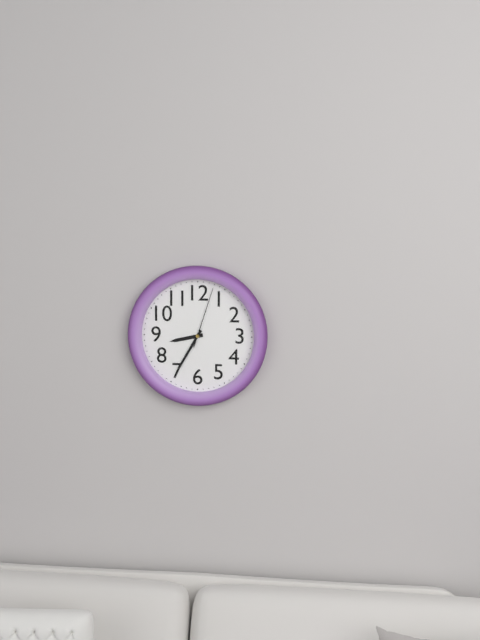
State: 8h35m03s
